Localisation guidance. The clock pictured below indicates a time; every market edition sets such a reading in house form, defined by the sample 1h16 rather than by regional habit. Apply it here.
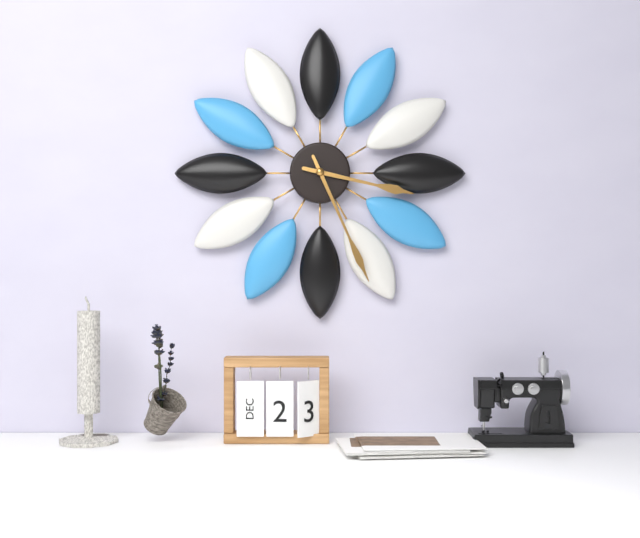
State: 3h26
